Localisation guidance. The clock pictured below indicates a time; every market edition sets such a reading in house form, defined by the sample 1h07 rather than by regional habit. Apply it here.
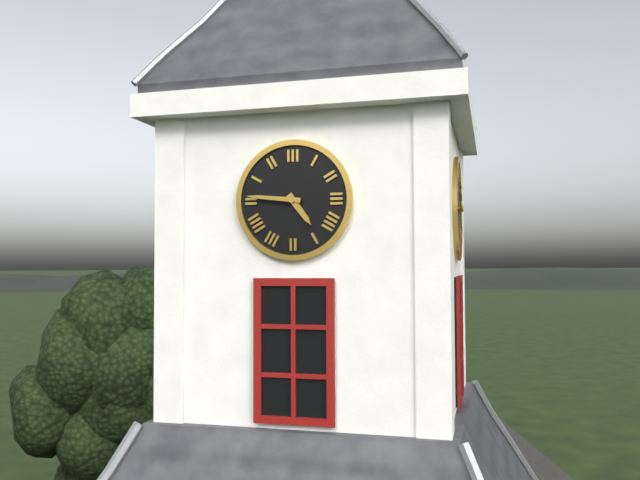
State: 4h46
